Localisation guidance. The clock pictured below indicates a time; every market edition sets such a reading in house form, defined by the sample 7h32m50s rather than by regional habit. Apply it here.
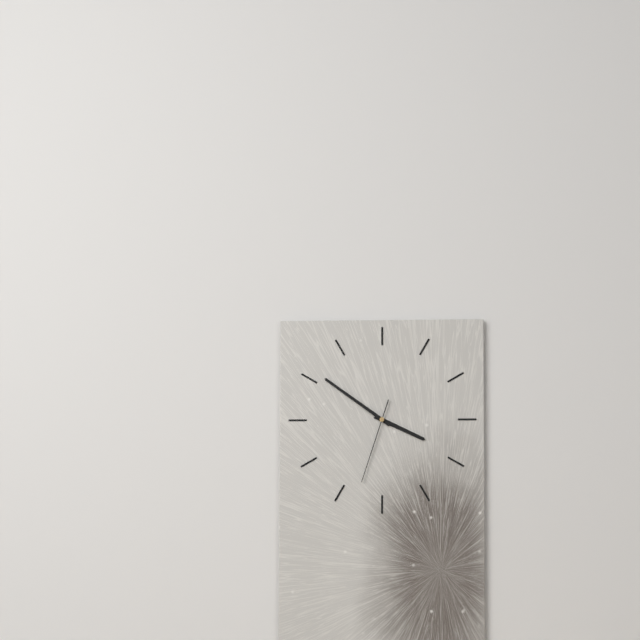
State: 3h51m33s
